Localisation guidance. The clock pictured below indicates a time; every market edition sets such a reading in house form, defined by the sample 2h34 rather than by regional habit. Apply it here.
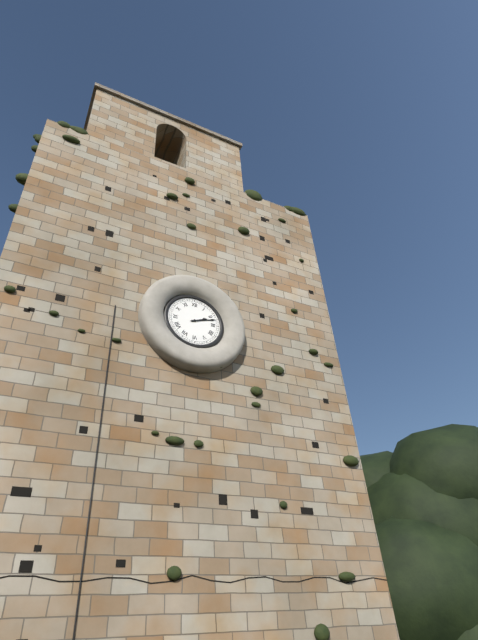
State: 2h12
